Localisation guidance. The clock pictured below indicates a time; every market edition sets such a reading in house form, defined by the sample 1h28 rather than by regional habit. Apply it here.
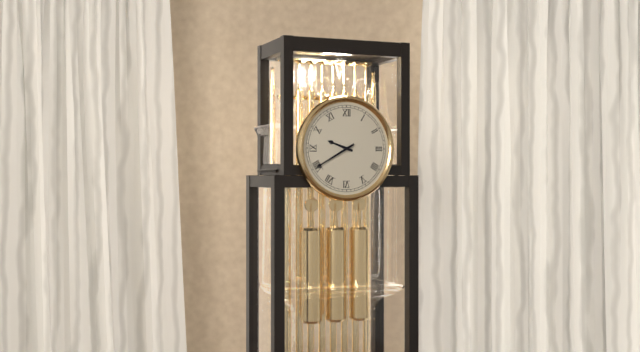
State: 9h40
